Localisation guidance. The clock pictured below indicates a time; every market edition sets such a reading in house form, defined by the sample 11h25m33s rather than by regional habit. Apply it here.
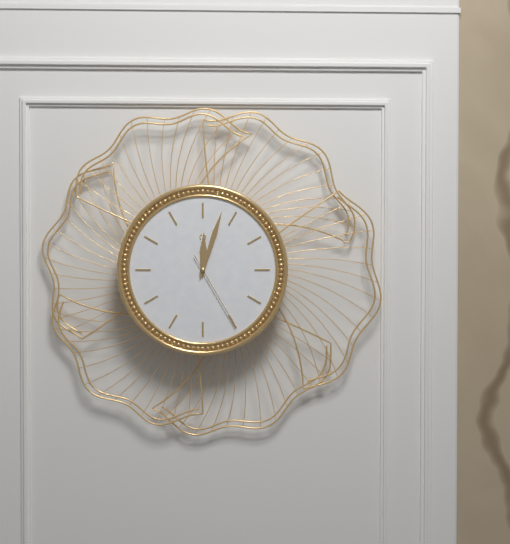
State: 12h03m25s
